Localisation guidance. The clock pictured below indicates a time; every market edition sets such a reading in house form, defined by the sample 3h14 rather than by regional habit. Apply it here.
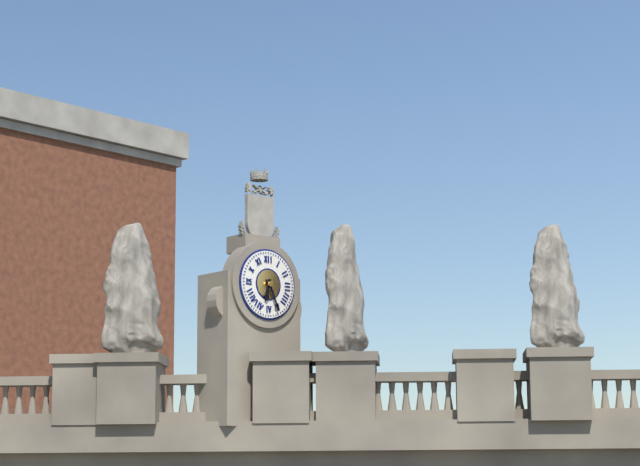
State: 6h26
